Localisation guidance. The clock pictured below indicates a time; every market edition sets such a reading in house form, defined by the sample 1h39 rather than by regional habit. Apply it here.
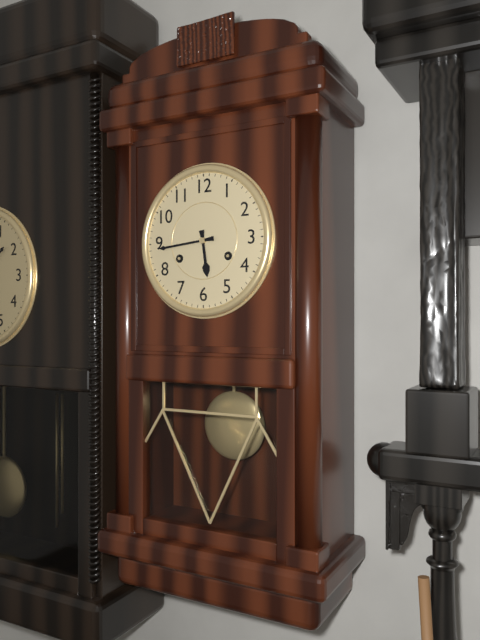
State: 5h44
